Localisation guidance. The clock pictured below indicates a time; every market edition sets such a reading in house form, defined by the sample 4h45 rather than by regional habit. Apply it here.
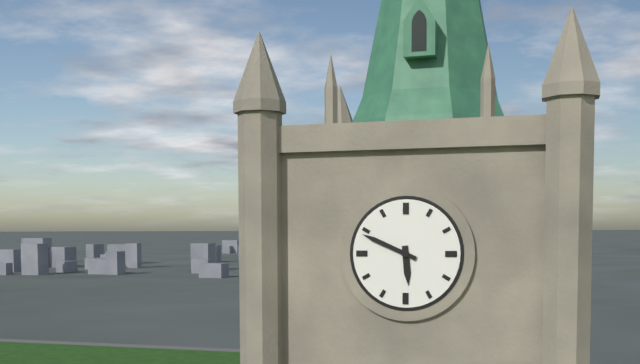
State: 5h49
